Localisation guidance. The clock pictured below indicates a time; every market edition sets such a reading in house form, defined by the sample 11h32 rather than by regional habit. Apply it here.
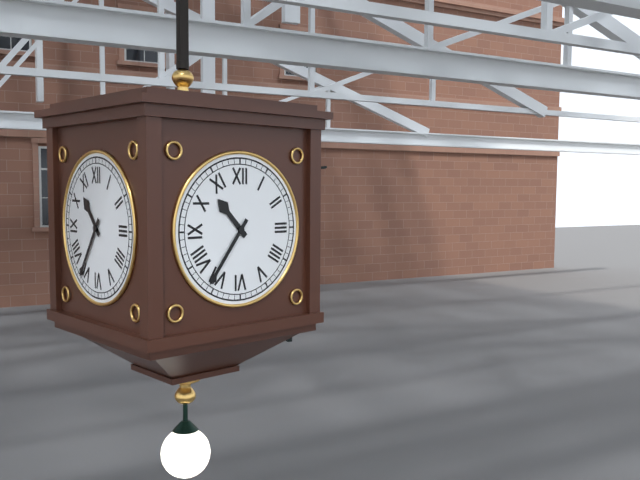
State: 10h36
